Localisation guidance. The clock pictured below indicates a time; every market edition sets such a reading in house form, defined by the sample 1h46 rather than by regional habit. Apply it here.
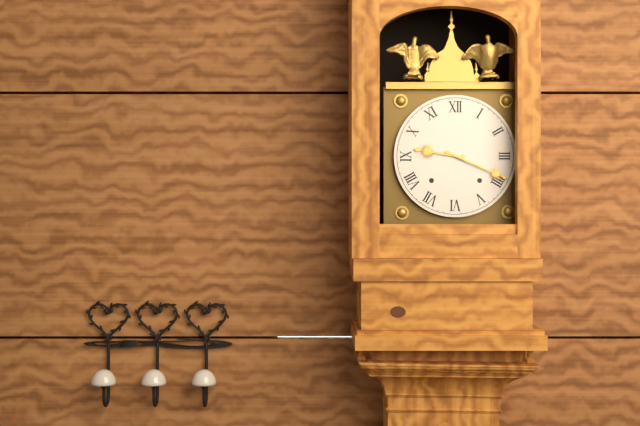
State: 9h19
